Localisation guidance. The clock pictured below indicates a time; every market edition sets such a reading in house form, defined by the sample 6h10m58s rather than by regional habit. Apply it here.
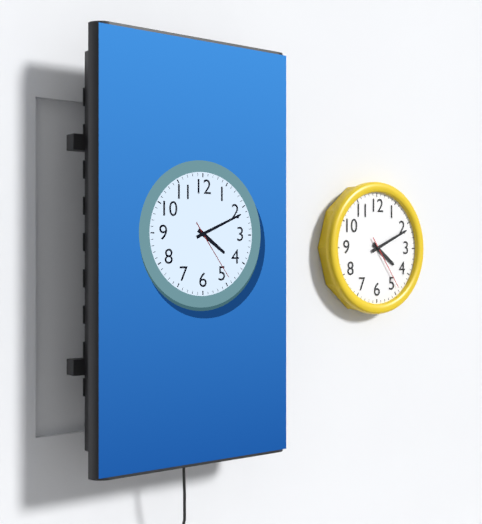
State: 4h11m24s
